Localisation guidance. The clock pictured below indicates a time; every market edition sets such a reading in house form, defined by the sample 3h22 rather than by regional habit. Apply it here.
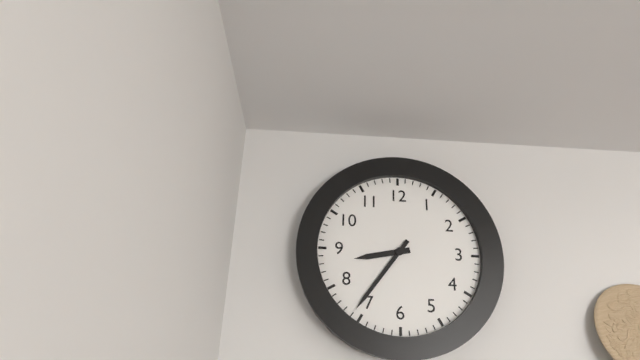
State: 8h36
